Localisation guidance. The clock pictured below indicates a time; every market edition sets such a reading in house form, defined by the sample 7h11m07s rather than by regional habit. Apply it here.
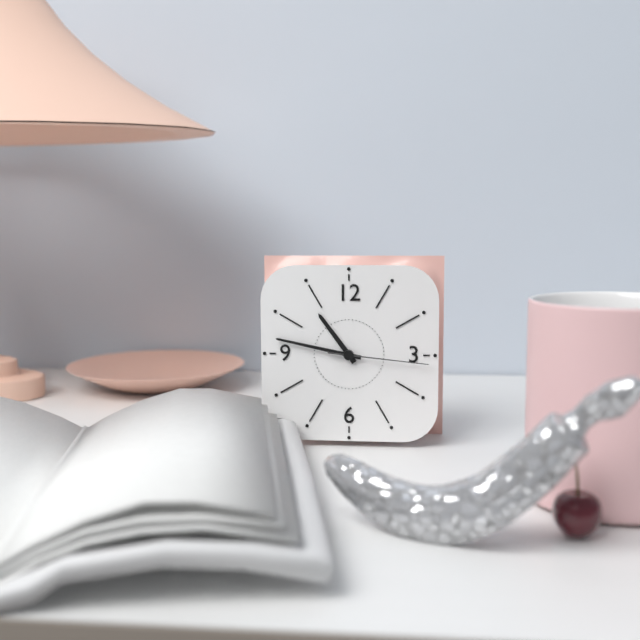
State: 10h47m16s
